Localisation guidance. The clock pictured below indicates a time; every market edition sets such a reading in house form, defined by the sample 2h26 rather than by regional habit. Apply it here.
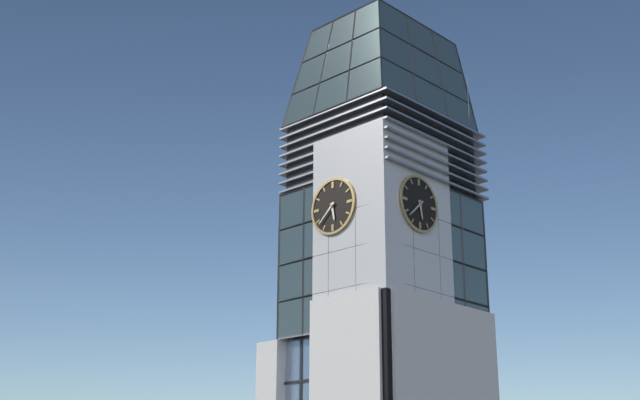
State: 5h38
